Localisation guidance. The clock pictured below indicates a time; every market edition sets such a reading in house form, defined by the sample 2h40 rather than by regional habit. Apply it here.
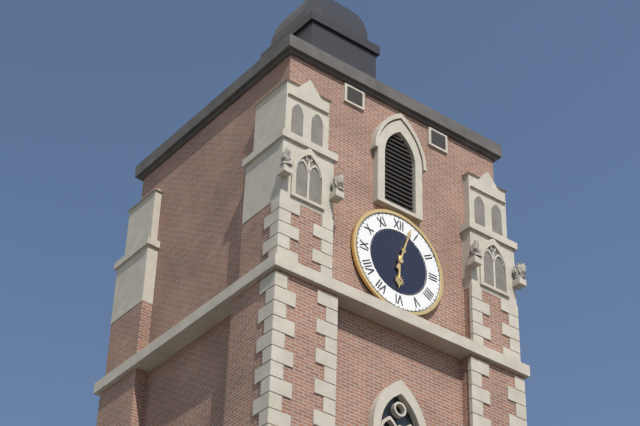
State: 6h03
